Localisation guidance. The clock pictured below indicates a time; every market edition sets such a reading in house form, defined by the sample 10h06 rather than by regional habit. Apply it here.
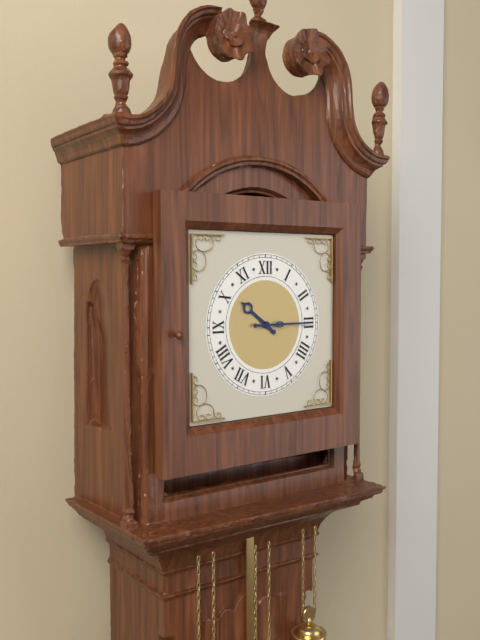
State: 10h15
